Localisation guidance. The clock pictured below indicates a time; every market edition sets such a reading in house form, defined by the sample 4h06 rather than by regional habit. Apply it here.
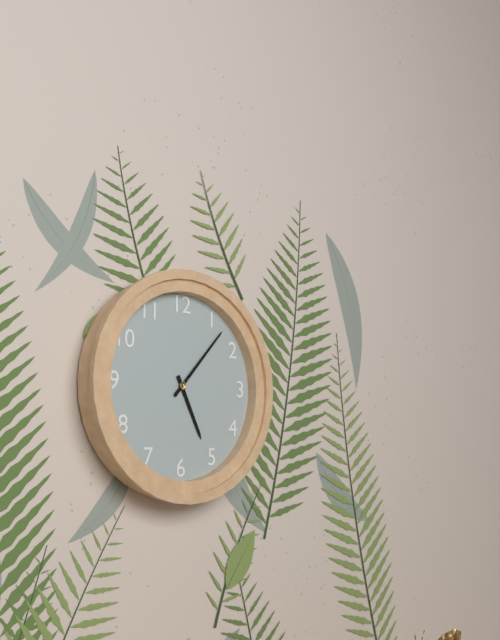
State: 5h07
